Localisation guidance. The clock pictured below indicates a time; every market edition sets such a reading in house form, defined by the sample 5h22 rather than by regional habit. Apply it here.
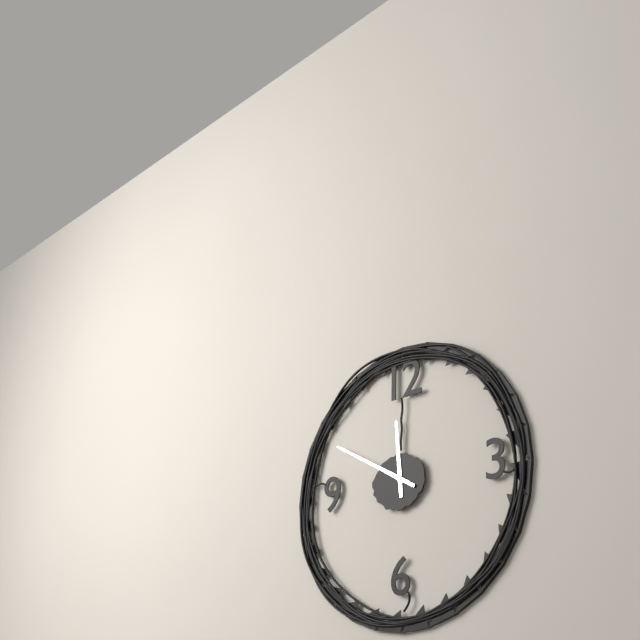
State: 11h50
